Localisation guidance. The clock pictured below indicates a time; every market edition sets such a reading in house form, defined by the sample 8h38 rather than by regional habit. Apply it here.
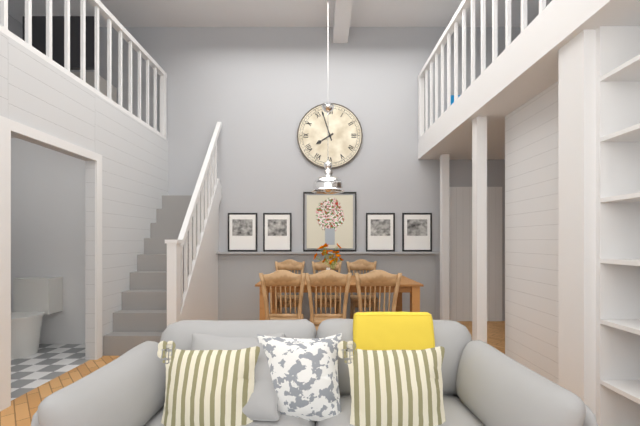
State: 7h57
